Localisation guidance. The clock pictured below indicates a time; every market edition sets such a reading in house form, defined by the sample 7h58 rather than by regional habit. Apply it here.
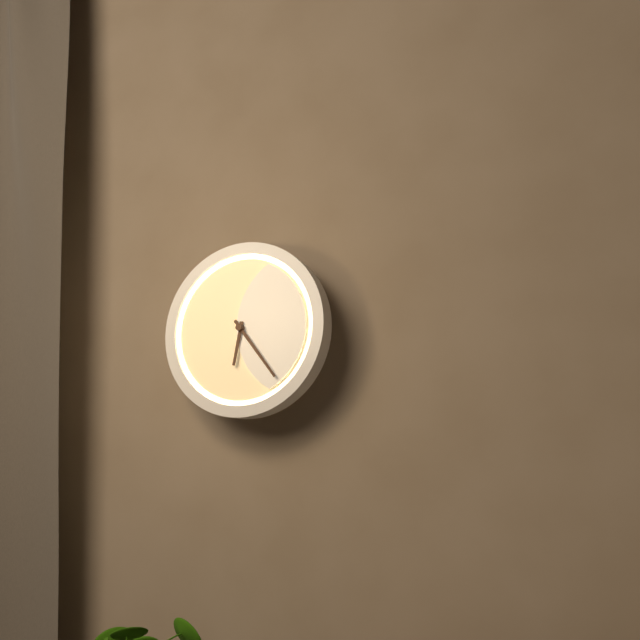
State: 6h24
